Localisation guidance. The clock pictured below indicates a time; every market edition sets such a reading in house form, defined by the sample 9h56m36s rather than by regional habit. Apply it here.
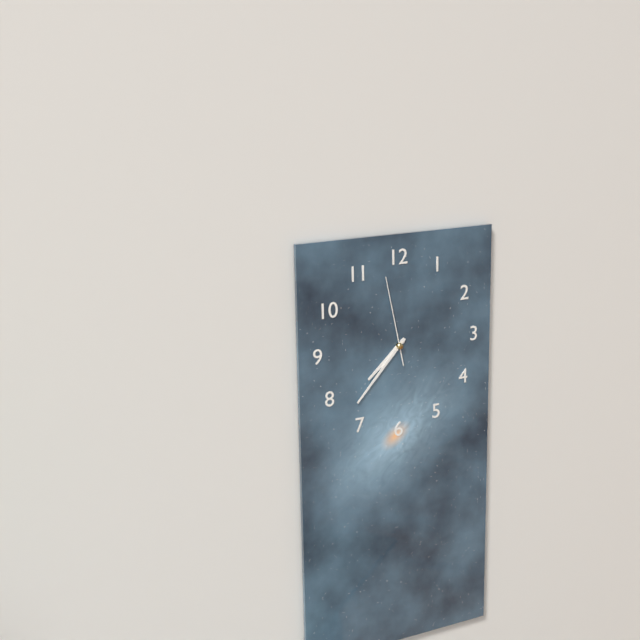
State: 7h37m58s
